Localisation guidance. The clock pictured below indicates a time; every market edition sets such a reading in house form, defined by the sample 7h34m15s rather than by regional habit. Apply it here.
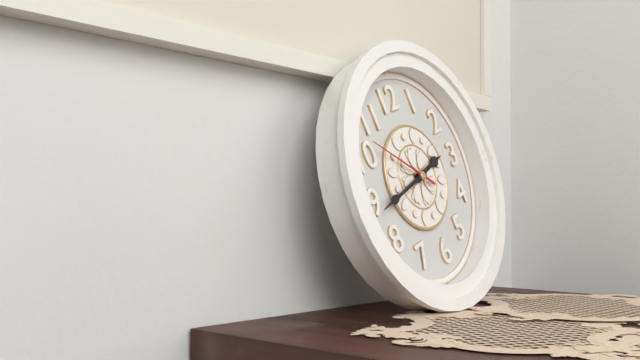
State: 2h44m52s
